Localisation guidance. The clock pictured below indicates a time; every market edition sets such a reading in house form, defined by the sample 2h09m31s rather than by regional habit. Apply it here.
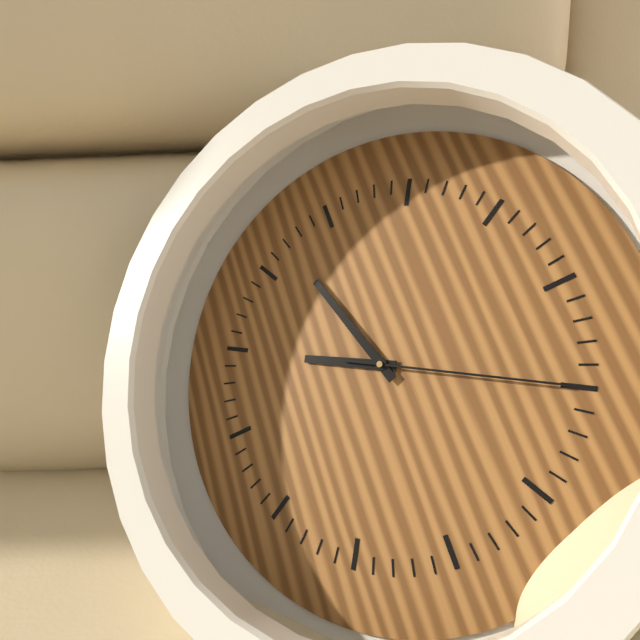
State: 9h57m20s
